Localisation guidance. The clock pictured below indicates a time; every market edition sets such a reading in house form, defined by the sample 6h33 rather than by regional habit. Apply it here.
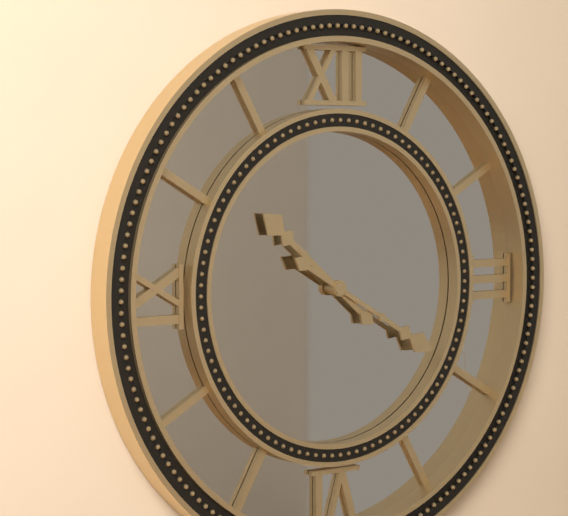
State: 10h20
